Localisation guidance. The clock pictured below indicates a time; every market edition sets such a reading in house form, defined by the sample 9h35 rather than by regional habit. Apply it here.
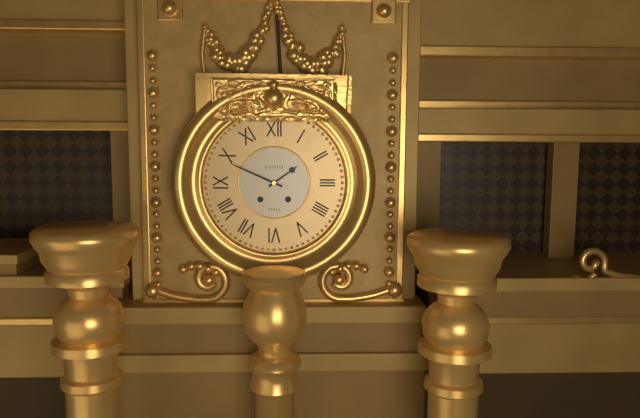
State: 1h49
